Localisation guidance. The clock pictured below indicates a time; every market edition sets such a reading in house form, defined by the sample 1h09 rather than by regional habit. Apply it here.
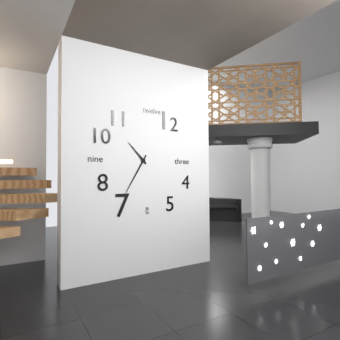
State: 10h35
